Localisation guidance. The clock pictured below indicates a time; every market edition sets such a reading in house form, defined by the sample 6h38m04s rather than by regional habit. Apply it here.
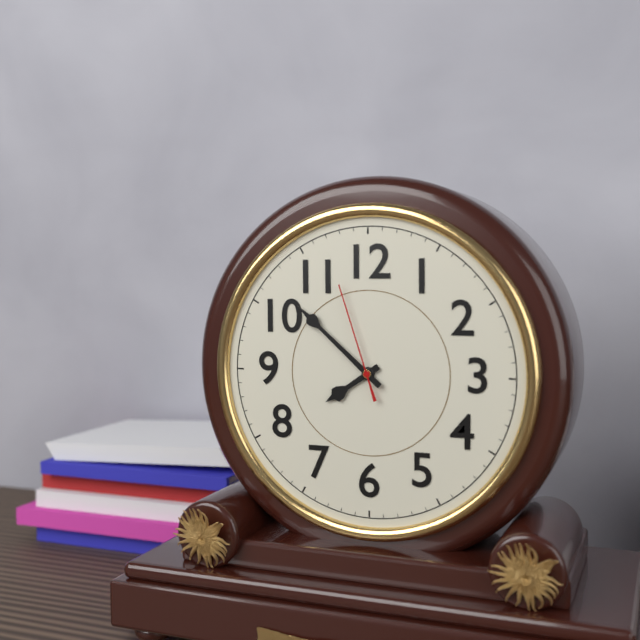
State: 7h52m57s
